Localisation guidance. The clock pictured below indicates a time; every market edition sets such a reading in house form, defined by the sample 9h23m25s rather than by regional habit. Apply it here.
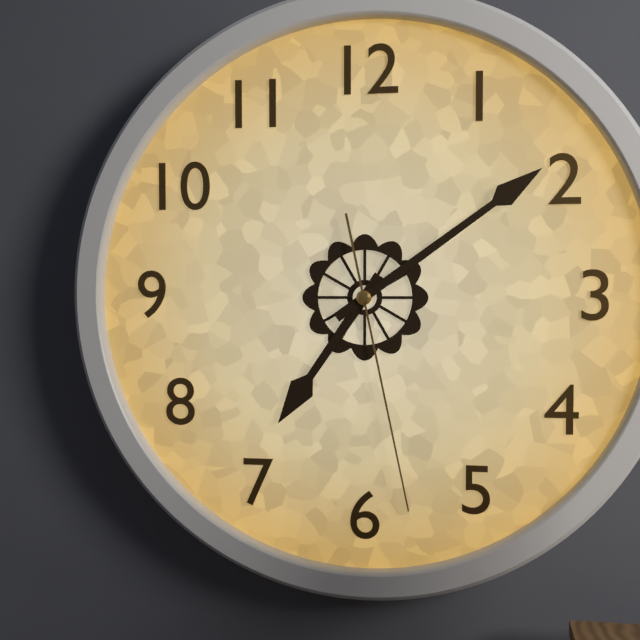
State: 7h09m28s
